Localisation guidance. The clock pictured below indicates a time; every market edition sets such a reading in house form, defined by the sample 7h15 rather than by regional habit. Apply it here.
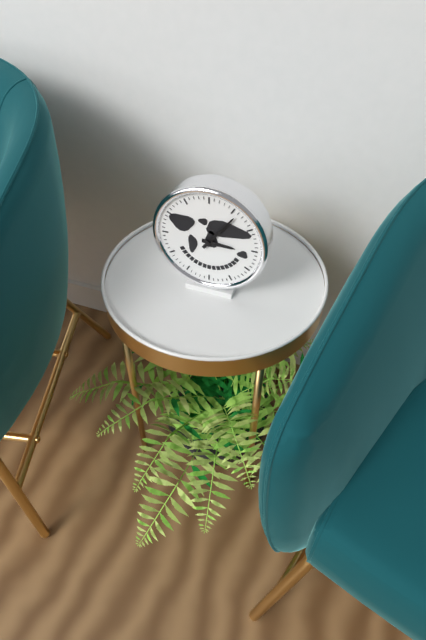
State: 3h06
